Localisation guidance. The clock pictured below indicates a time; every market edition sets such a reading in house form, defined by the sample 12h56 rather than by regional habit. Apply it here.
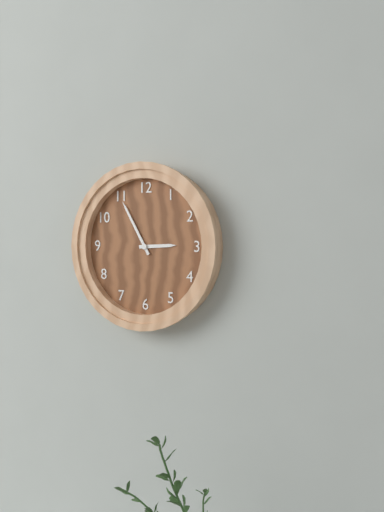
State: 2h55
